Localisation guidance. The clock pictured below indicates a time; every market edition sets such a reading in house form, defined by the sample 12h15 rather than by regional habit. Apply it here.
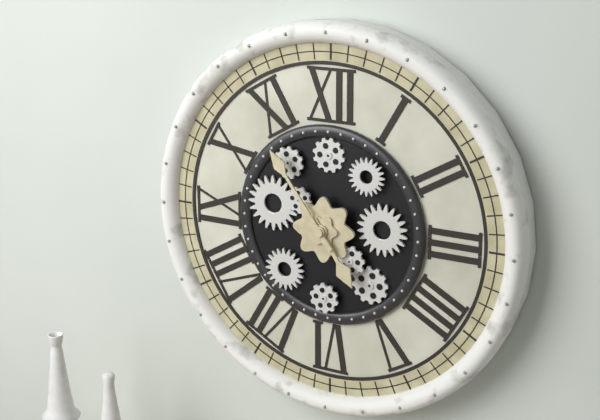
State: 4h54
